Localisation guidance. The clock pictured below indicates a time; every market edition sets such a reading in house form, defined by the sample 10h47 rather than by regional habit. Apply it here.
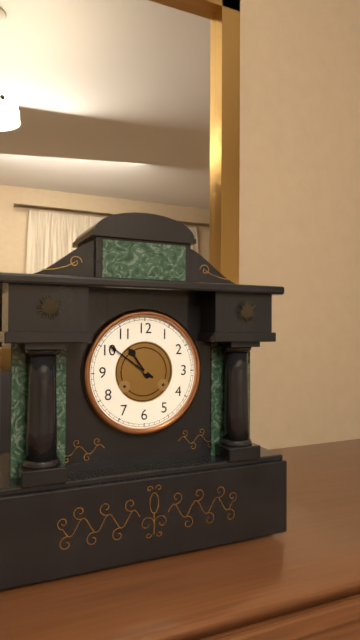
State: 10h51
